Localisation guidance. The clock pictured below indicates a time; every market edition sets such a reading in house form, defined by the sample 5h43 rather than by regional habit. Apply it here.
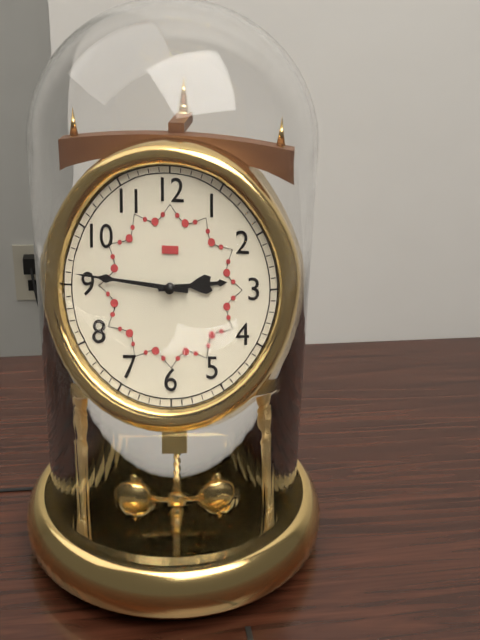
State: 2h46
